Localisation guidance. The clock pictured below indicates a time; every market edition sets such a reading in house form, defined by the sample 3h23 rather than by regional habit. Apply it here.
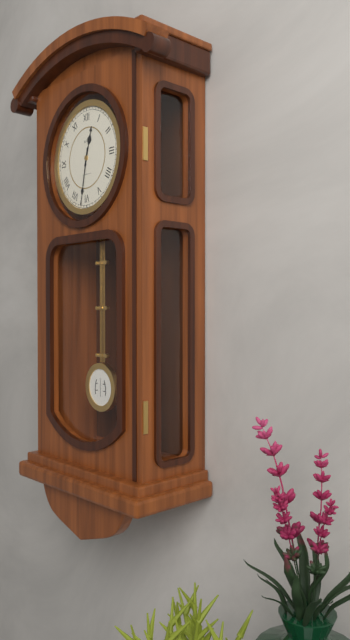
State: 12h32
